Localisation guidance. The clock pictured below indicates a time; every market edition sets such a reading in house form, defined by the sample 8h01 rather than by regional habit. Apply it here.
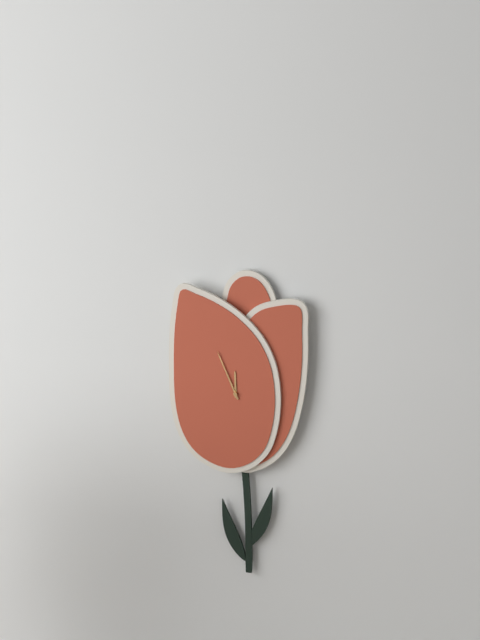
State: 11h56
